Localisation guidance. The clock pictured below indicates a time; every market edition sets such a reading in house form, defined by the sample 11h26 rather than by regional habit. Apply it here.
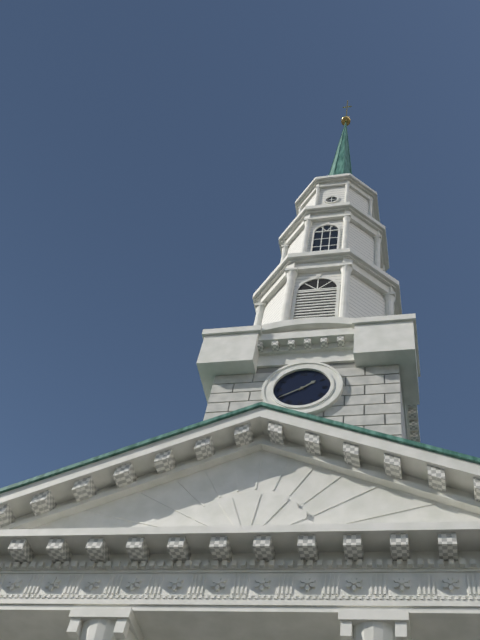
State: 1h40
